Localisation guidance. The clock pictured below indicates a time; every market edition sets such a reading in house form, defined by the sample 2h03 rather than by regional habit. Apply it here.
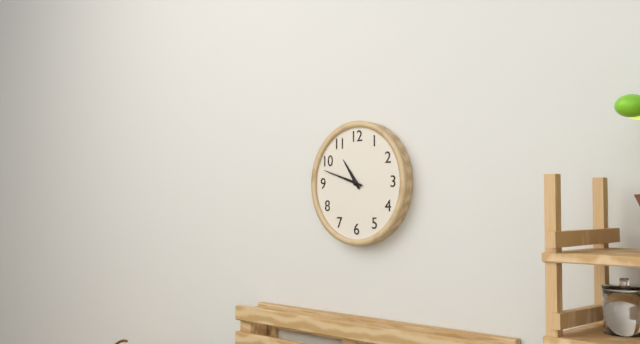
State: 10h48
